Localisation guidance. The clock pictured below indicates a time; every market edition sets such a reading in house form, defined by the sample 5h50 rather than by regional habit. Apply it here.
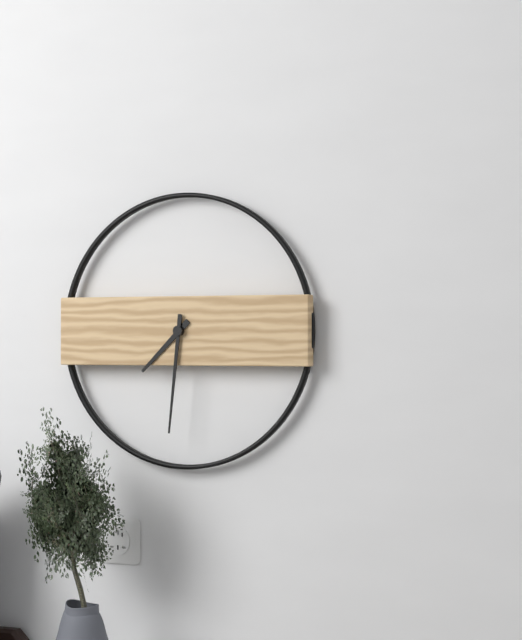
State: 7h31
